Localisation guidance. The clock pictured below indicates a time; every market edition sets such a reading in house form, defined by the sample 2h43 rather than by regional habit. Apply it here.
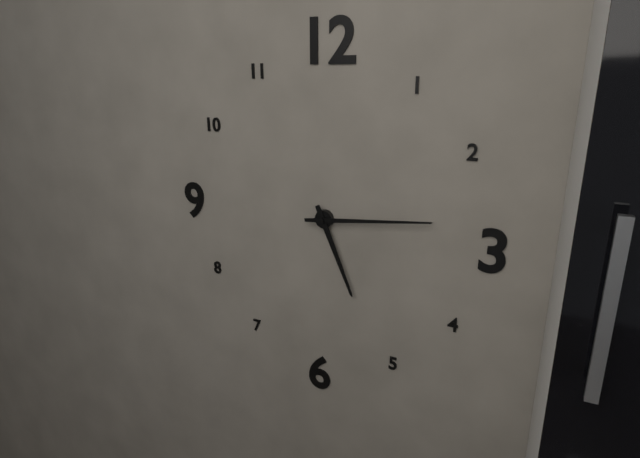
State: 5h14
